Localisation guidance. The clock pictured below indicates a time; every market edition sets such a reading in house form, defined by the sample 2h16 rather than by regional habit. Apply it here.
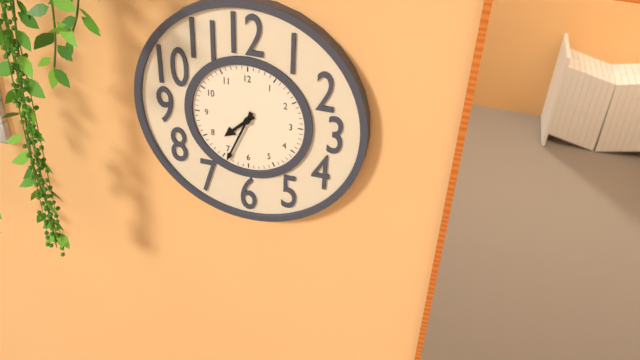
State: 7h34
